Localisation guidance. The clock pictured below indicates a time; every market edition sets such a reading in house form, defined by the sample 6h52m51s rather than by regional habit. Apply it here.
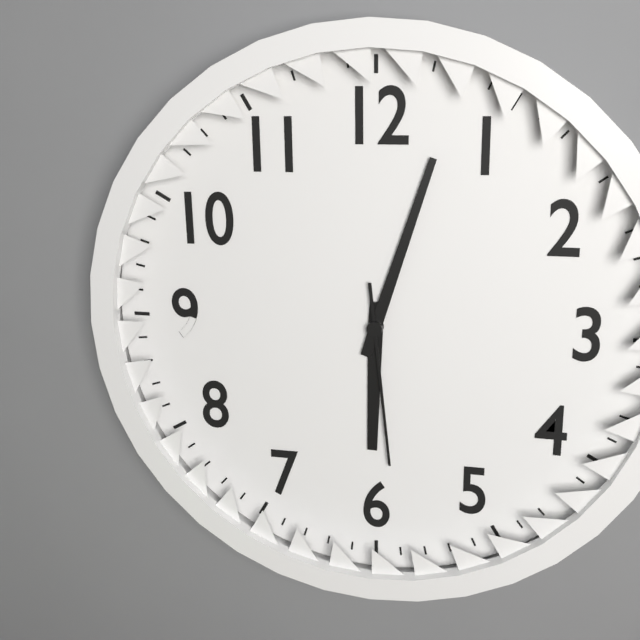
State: 6h03m29s
